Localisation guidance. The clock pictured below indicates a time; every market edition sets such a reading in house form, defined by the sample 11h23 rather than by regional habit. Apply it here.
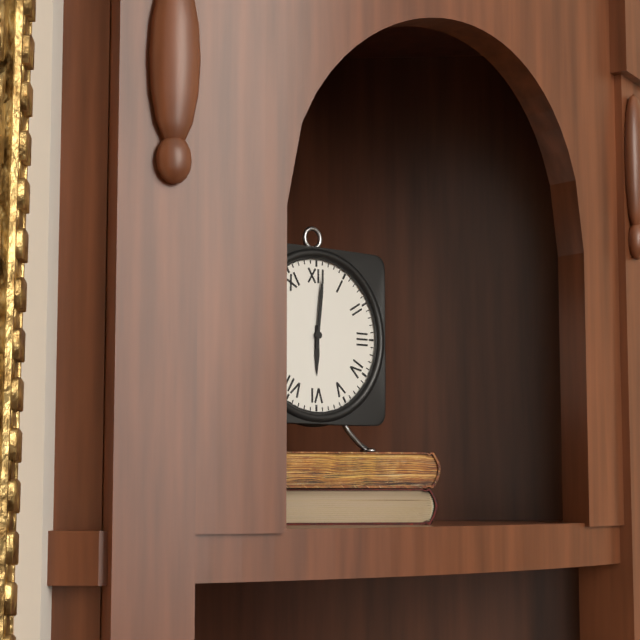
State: 6h01
